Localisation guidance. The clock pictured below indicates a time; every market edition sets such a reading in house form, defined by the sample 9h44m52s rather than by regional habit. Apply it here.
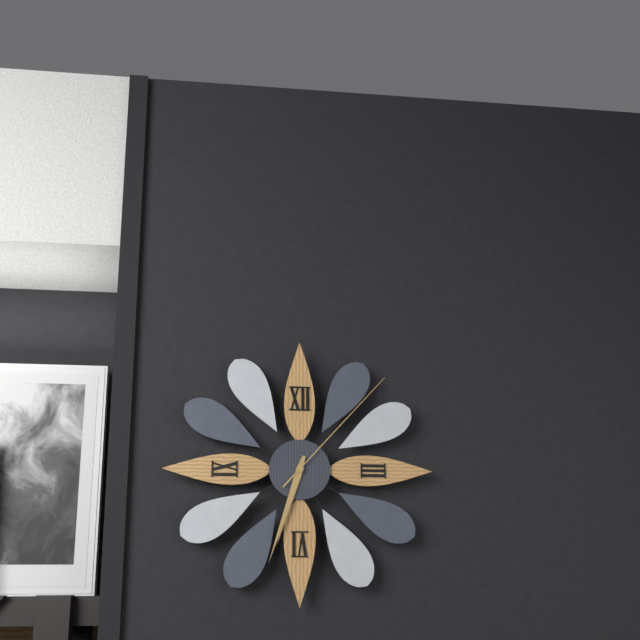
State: 6h33m07s
